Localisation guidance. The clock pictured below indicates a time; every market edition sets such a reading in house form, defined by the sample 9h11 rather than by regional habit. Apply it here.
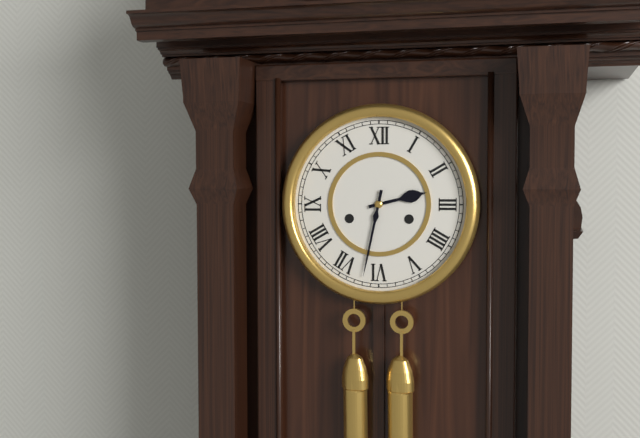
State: 2h32
